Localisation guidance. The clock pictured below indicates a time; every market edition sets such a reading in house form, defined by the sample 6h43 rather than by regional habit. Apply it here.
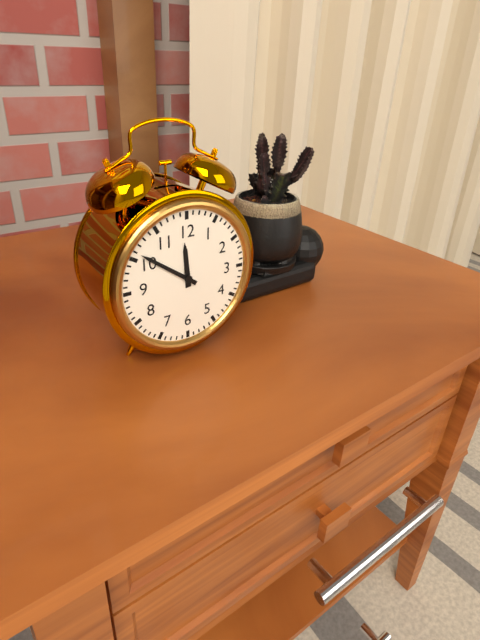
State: 11h51
